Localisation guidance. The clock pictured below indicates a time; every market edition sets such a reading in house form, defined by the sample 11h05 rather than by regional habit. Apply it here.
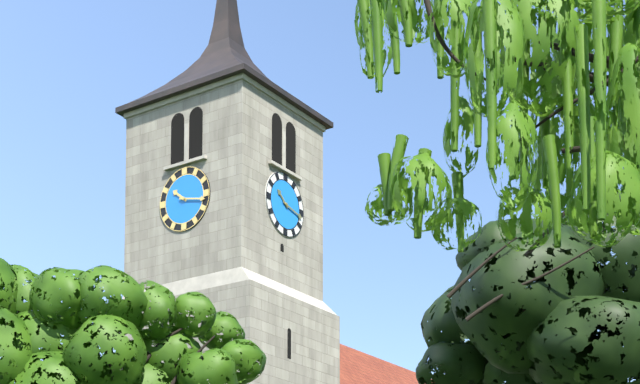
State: 10h17
